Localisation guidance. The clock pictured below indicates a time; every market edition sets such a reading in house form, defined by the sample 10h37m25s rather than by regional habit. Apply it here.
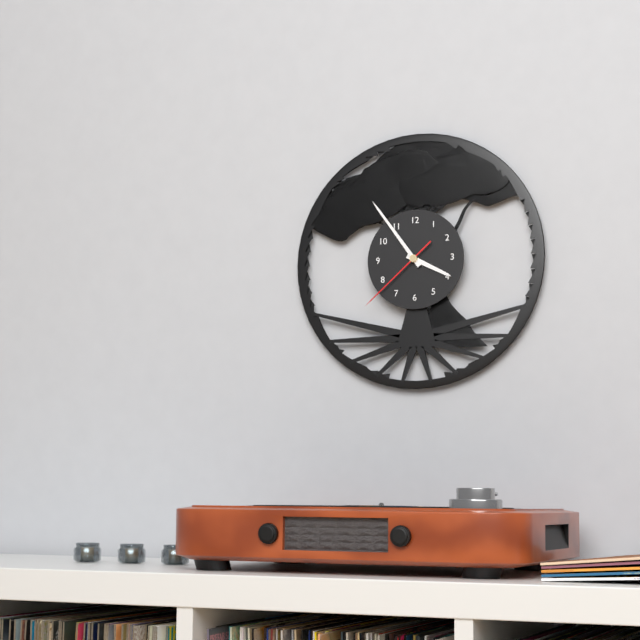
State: 3h54m38s
